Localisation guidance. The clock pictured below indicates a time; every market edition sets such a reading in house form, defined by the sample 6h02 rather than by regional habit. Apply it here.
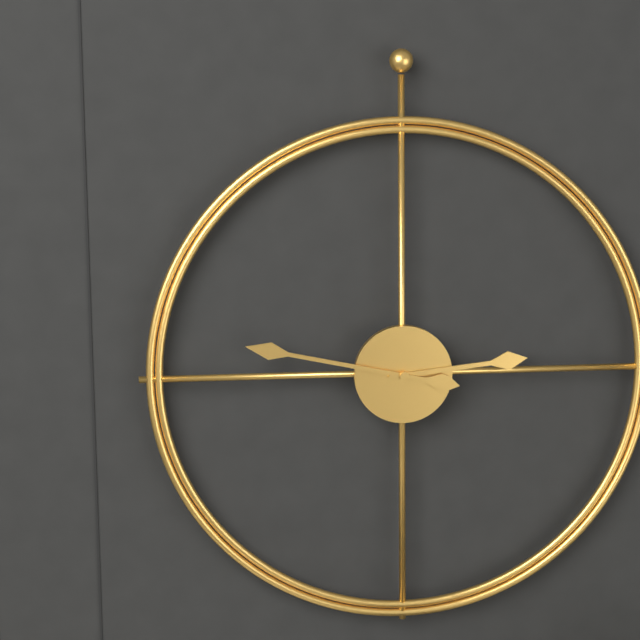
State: 2h47
